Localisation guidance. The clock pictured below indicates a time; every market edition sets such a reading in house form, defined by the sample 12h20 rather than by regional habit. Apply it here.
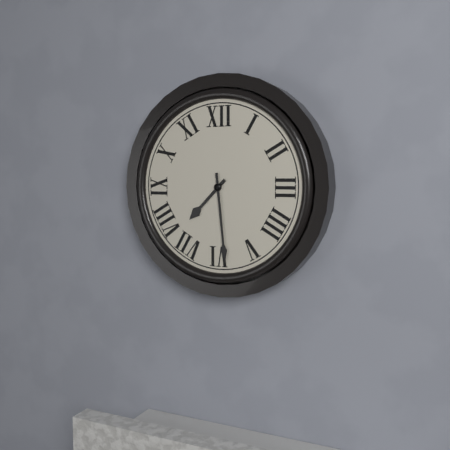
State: 7h29
